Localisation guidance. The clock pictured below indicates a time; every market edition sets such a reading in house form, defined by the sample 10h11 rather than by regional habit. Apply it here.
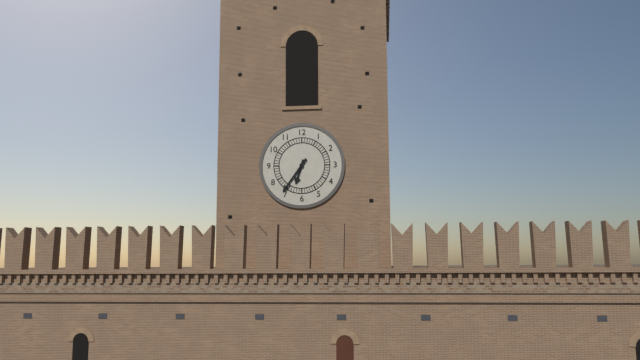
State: 6h36
